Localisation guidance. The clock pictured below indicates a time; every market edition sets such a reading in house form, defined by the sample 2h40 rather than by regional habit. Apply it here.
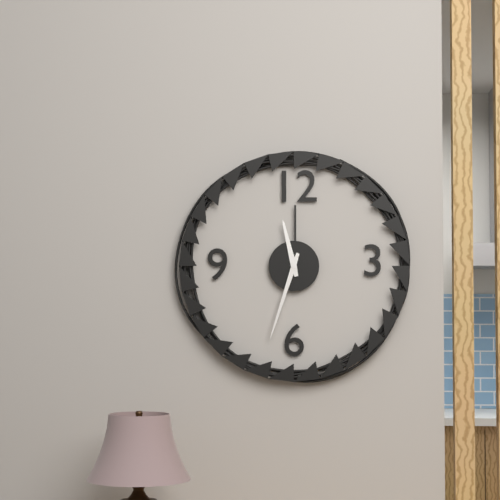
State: 11h33
